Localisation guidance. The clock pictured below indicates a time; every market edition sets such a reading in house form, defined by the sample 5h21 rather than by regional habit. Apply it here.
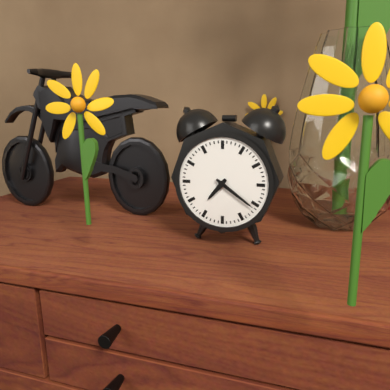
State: 7h21
